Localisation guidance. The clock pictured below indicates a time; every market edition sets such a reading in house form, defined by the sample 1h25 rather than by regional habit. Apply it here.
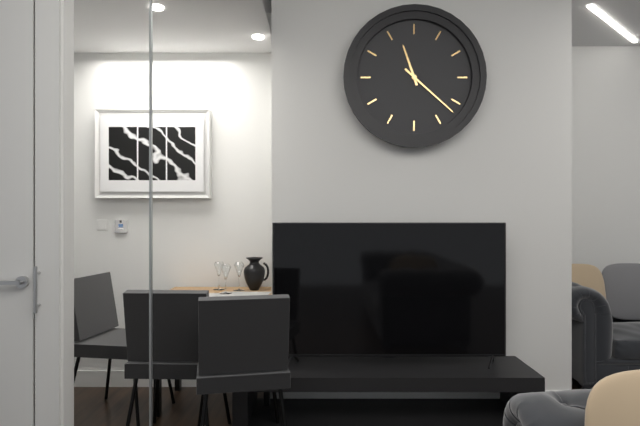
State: 11h22
